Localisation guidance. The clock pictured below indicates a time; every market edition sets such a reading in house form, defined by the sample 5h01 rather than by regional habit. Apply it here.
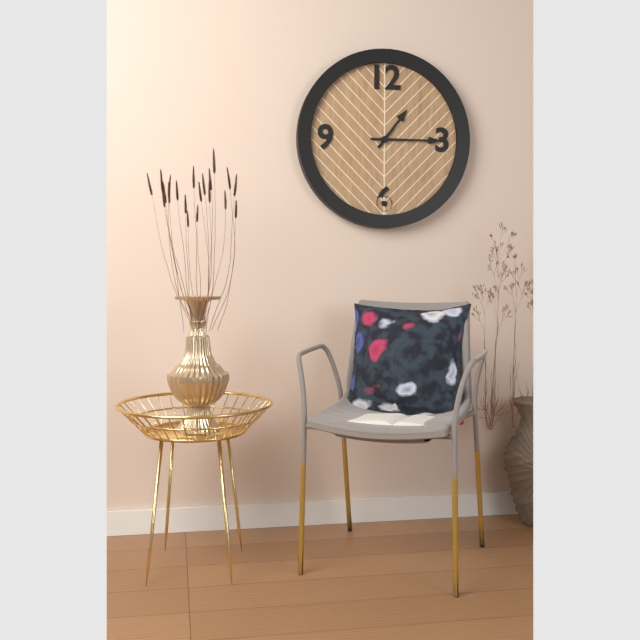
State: 1h15
